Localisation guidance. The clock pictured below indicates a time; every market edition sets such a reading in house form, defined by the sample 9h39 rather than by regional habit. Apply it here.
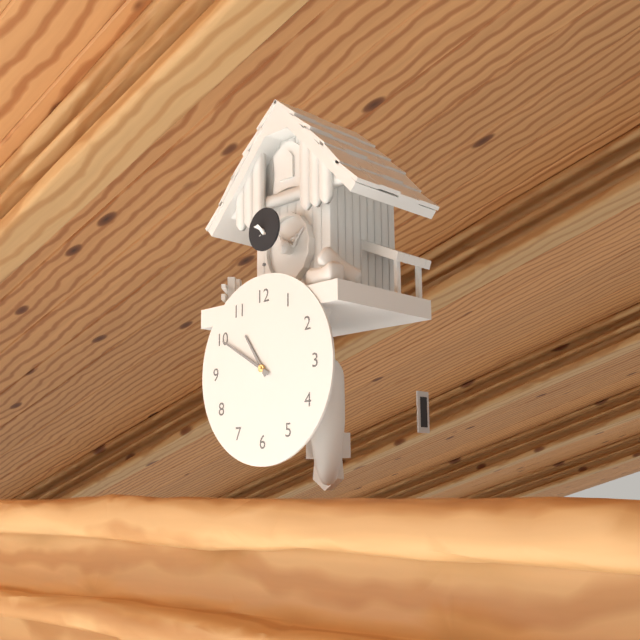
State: 10h50
